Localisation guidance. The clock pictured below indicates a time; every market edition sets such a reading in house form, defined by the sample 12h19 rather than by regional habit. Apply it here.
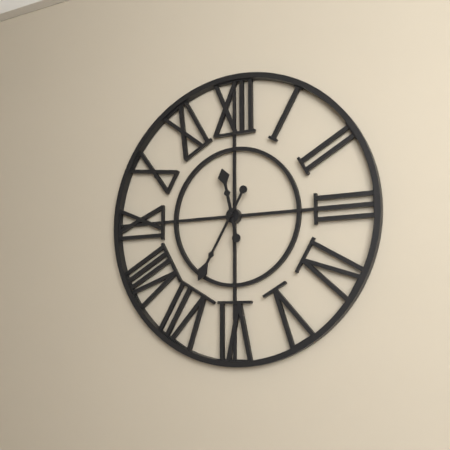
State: 11h35
